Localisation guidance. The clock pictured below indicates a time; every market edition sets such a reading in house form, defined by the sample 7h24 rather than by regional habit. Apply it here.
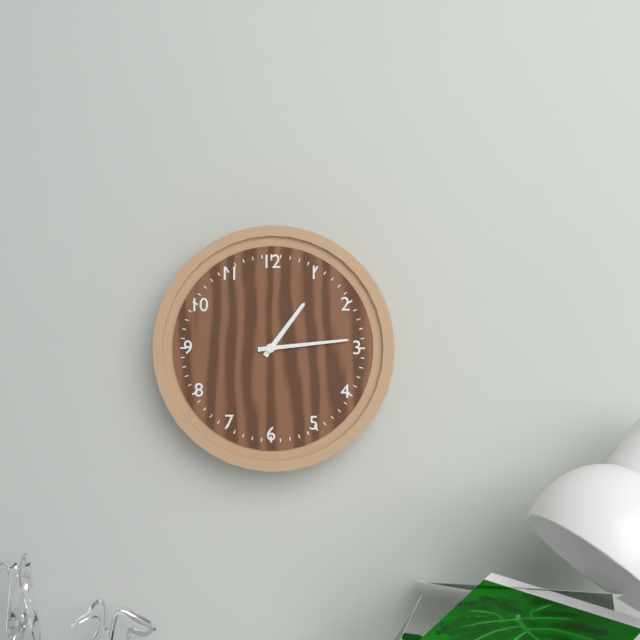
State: 1h14
